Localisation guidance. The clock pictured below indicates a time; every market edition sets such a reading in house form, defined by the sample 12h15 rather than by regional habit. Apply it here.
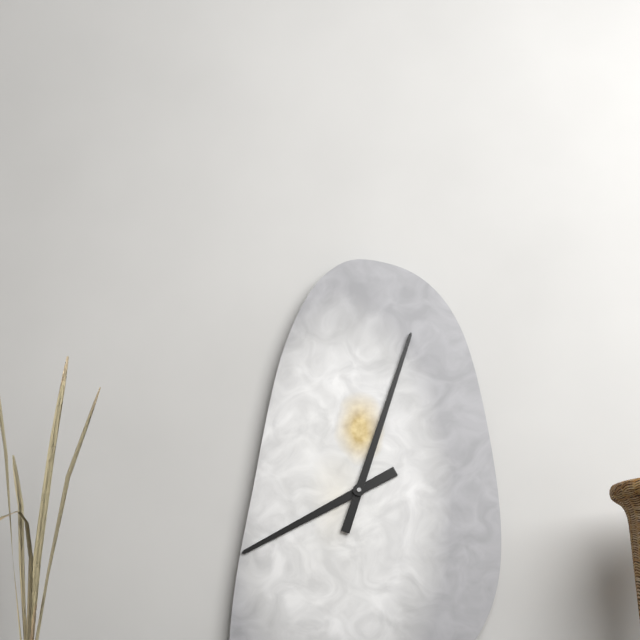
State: 8h03
